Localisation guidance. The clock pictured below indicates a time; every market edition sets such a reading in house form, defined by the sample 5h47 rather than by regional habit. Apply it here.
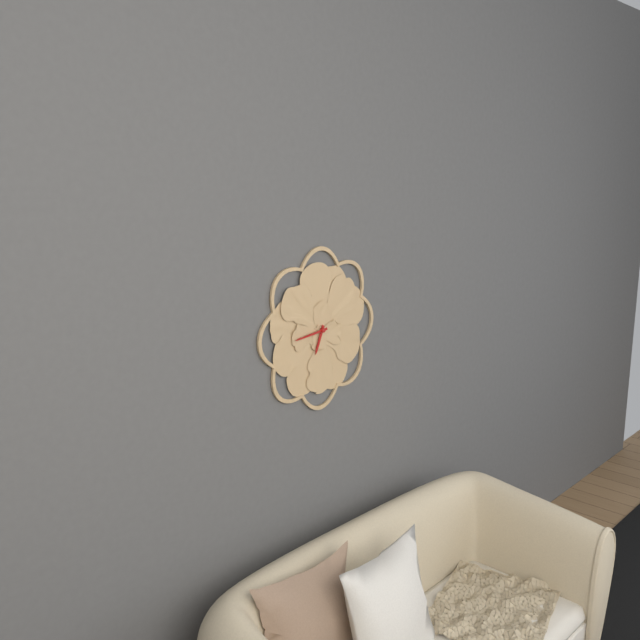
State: 6h44
